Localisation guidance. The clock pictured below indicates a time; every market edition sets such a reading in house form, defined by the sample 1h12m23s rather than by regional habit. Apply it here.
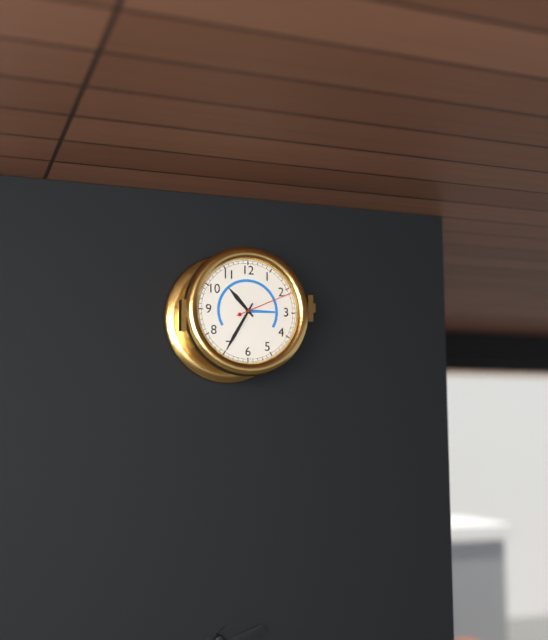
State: 10h35m11s
